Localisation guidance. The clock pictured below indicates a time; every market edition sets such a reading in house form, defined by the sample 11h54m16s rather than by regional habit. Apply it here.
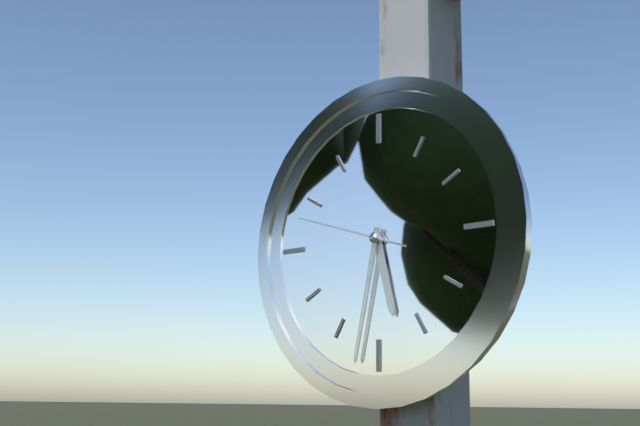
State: 5h32m48s
